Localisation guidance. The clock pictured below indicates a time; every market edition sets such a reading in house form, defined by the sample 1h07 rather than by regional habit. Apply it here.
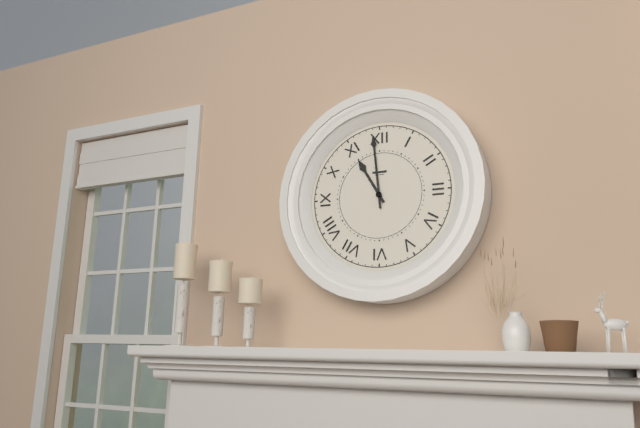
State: 10h59
